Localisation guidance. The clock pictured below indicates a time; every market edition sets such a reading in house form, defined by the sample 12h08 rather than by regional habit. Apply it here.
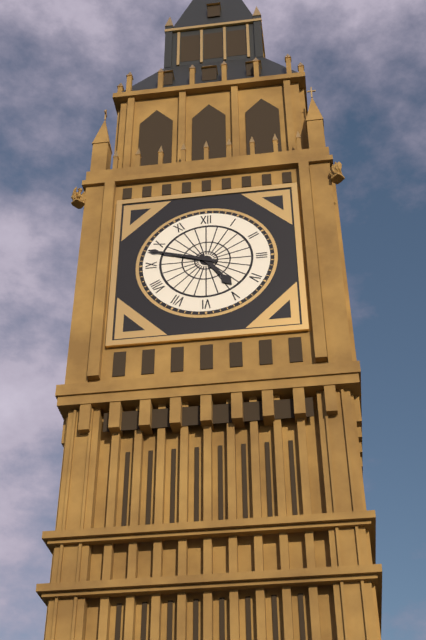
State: 4h48
